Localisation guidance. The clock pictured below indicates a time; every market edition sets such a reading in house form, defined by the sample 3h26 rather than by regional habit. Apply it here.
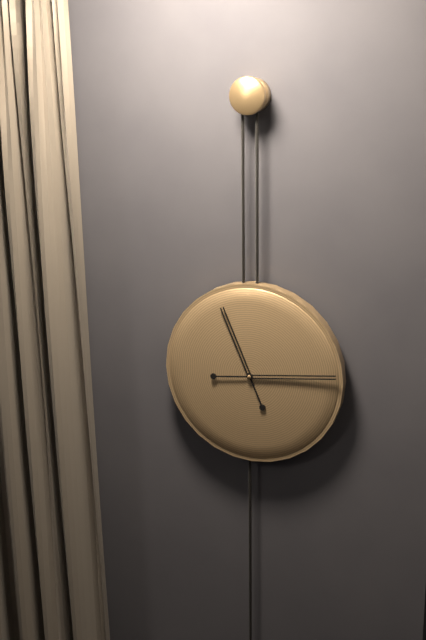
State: 11h14
